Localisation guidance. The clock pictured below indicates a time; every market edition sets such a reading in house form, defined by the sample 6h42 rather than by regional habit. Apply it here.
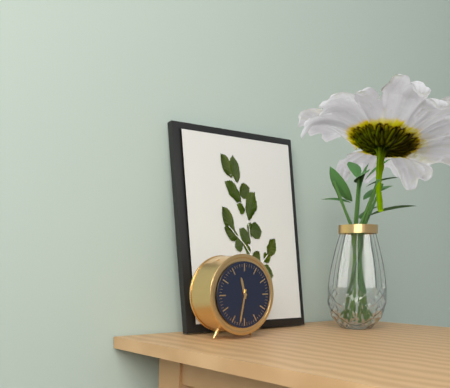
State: 11h32
